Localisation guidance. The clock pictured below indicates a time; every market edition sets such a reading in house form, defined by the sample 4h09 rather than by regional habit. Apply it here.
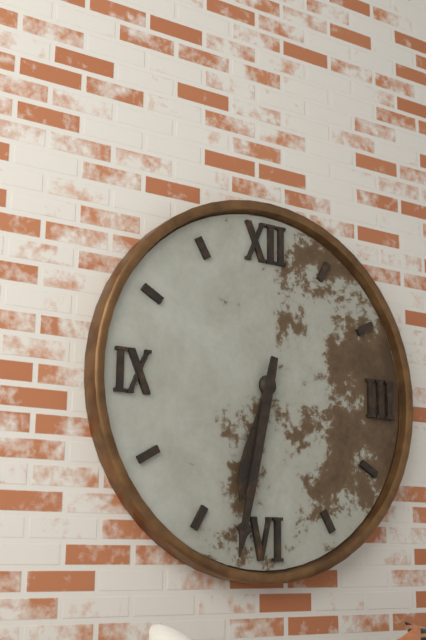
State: 6h32
